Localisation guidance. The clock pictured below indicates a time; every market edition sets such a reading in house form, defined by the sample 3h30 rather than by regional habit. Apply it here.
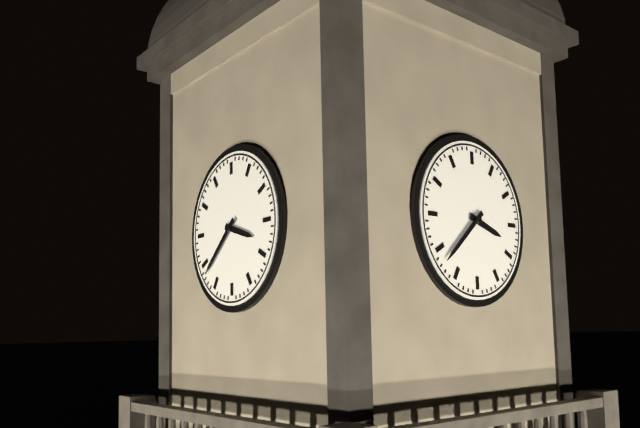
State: 3h38
